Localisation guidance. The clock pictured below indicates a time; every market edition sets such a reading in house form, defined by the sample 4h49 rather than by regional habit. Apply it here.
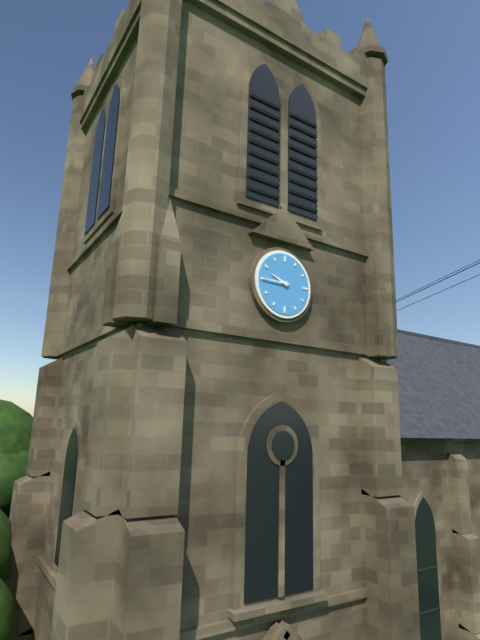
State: 9h45
